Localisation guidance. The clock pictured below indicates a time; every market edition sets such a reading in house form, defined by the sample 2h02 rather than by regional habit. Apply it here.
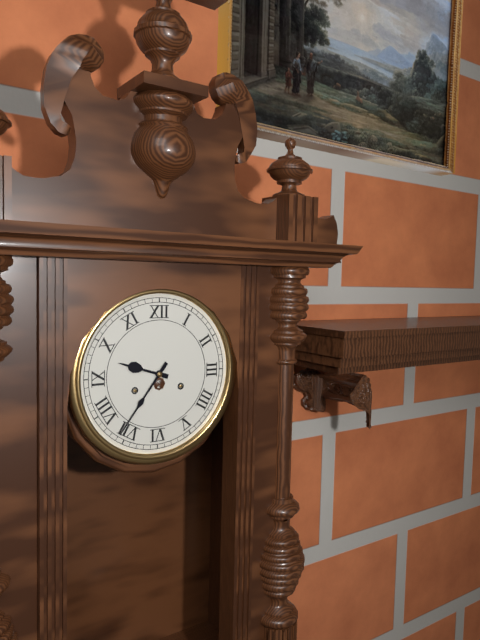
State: 9h36
